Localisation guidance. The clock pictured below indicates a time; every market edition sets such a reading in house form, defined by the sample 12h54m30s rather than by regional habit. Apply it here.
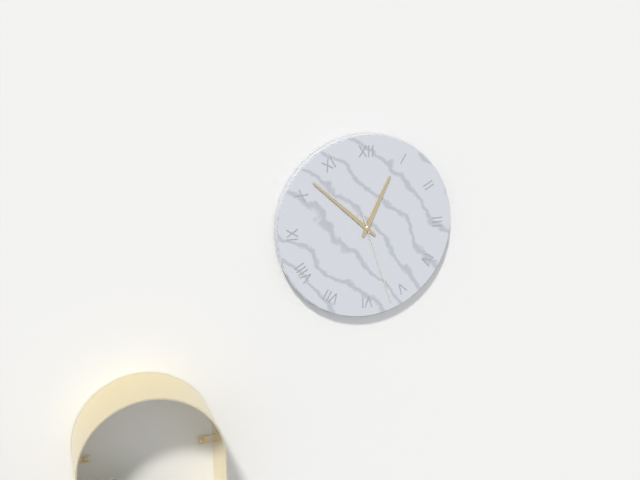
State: 12h52m27s
